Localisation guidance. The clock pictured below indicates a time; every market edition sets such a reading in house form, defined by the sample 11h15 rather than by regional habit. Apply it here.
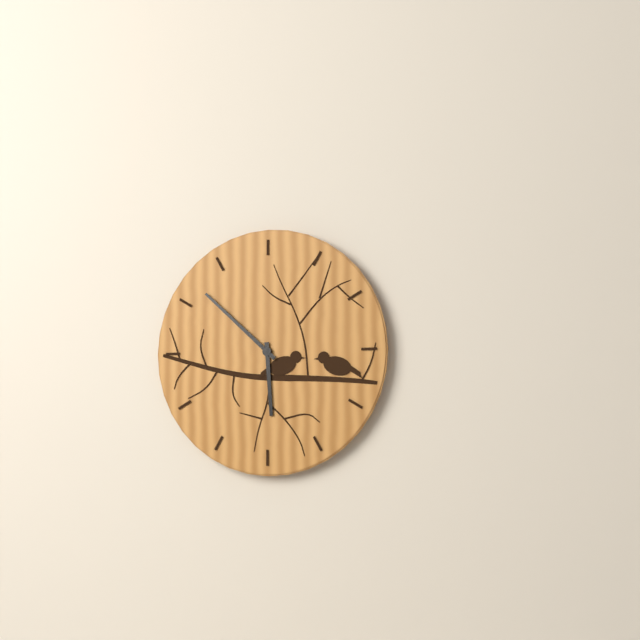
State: 5h52
